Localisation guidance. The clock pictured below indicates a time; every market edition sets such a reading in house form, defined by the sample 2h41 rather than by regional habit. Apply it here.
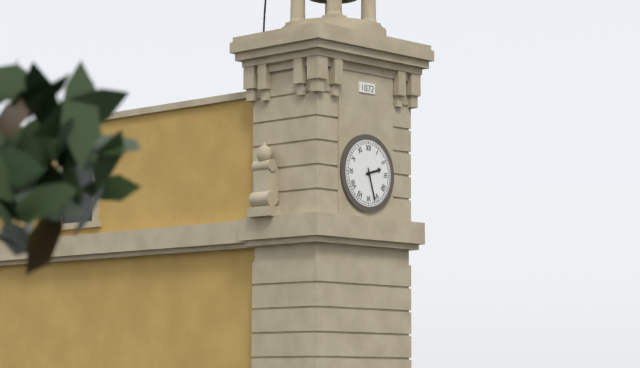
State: 2h27
